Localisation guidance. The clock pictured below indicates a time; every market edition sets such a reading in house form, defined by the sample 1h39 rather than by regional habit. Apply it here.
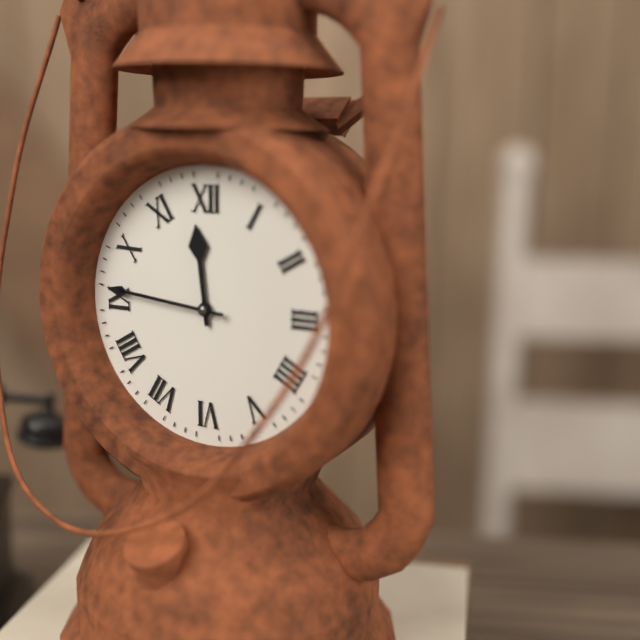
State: 11h46
